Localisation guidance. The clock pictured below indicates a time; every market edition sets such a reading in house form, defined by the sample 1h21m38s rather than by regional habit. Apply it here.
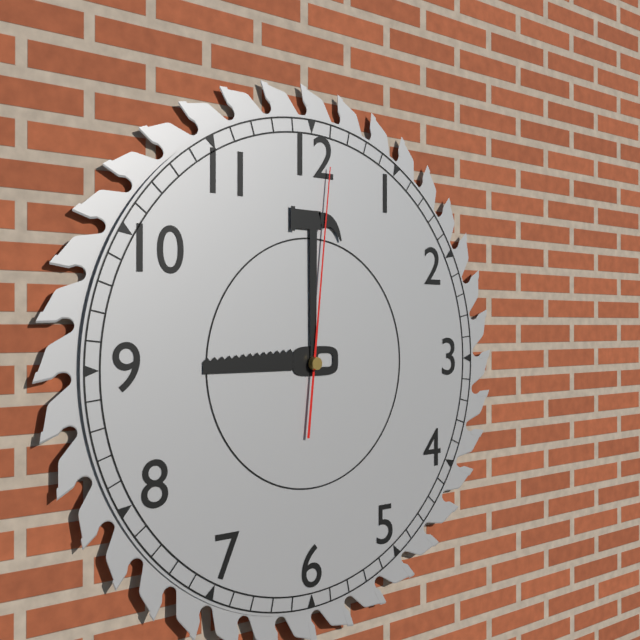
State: 9h00m01s
